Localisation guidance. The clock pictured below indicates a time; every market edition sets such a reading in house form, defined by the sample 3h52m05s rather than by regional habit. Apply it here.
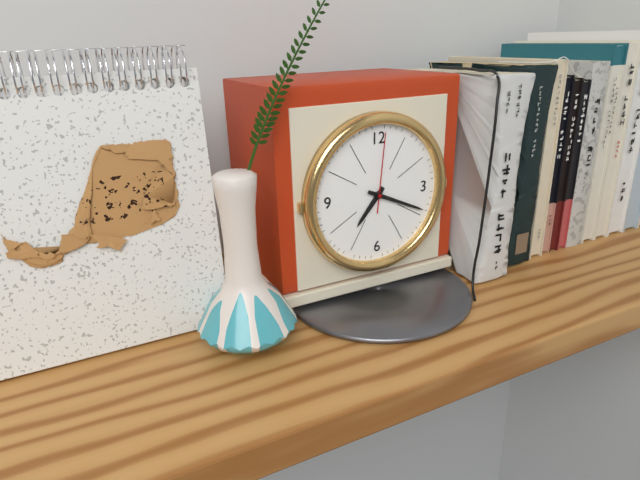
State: 7h19m01s
